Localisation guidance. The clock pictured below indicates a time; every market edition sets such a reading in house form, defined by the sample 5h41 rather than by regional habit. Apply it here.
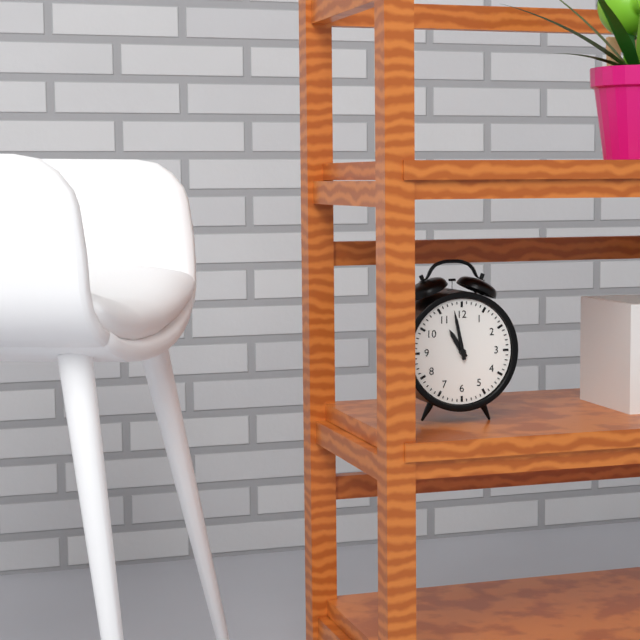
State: 10h58
